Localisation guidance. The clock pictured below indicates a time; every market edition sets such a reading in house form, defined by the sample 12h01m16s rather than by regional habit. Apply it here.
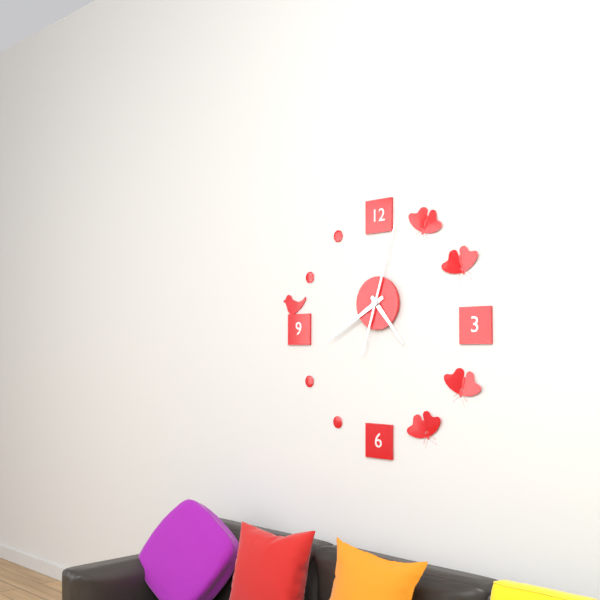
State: 4h40m03s
